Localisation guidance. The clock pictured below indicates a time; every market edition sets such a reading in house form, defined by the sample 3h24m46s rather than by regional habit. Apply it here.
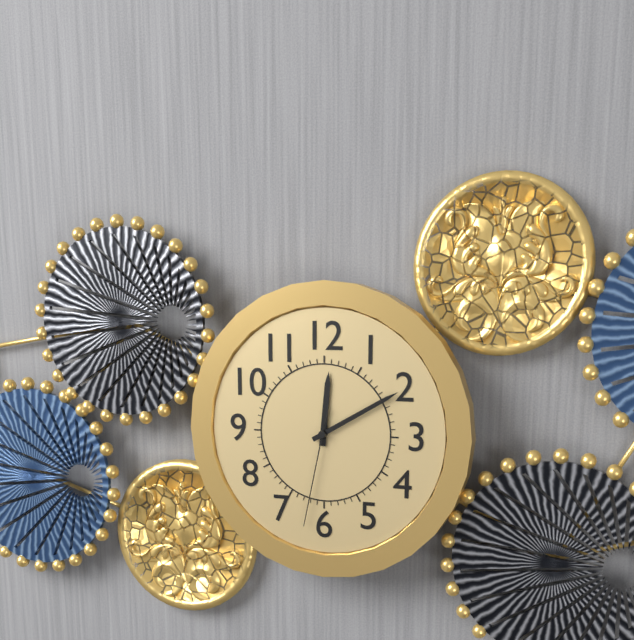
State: 12h10m32s
